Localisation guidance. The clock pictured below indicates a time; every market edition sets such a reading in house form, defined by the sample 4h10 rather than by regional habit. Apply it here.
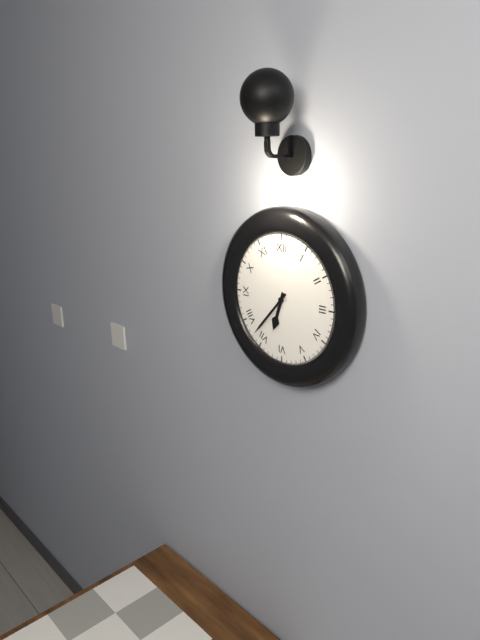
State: 6h37
